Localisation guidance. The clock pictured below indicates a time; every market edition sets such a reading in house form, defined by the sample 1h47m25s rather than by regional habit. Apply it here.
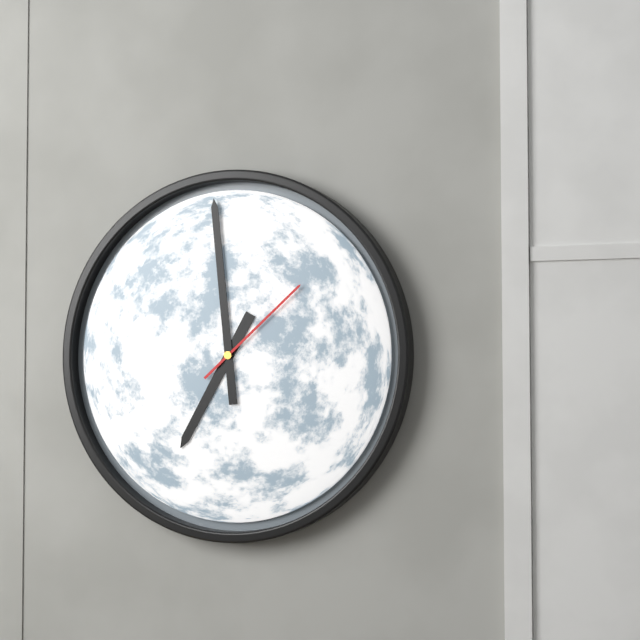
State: 6h59m08s
